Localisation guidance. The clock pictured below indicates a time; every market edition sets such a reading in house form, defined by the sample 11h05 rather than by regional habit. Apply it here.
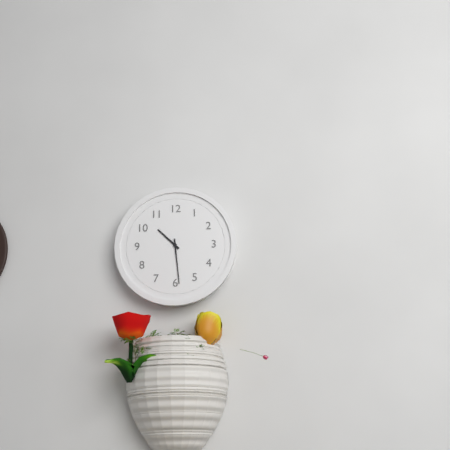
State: 10h29
